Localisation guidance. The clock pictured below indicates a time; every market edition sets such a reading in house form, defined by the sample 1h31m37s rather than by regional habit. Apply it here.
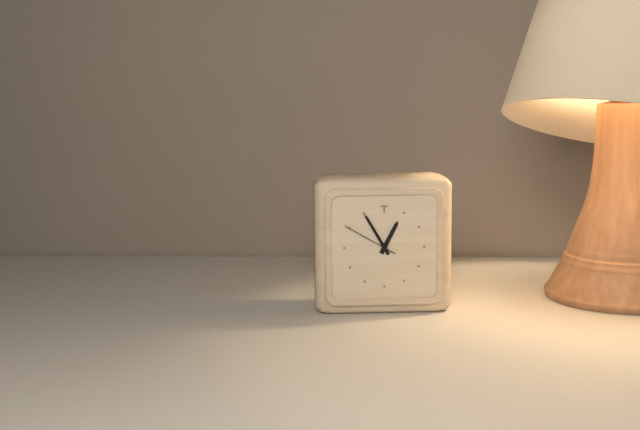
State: 12h55m50s
